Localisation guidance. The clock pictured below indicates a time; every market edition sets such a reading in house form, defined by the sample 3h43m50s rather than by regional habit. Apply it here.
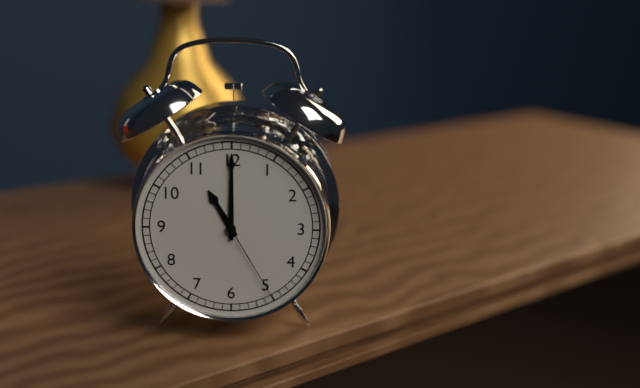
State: 11h00m25s
